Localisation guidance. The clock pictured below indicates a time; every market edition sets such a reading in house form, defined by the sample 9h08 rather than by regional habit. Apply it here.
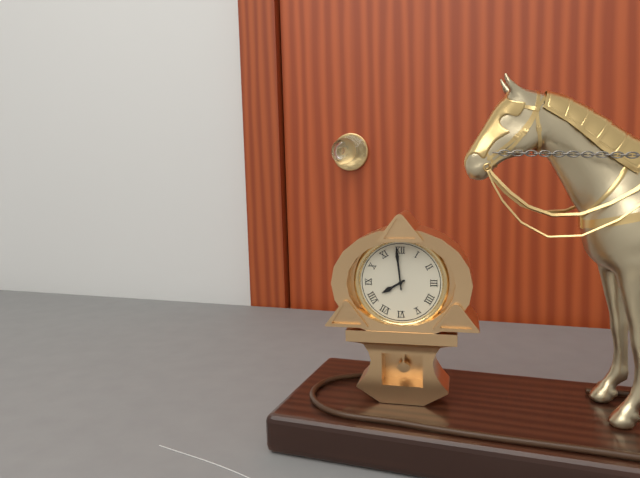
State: 7h59
